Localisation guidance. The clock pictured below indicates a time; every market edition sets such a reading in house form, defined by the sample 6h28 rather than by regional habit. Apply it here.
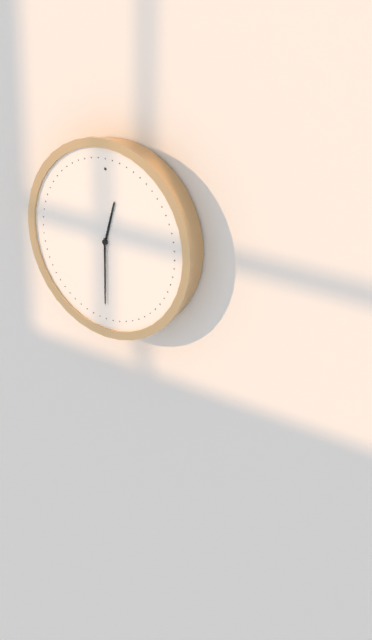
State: 12h30
